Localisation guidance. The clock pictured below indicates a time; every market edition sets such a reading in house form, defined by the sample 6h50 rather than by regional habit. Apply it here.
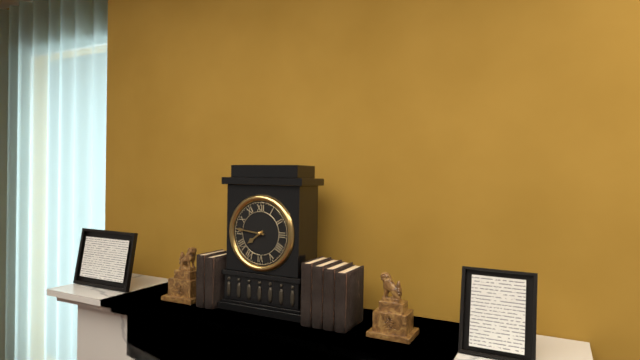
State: 7h46
